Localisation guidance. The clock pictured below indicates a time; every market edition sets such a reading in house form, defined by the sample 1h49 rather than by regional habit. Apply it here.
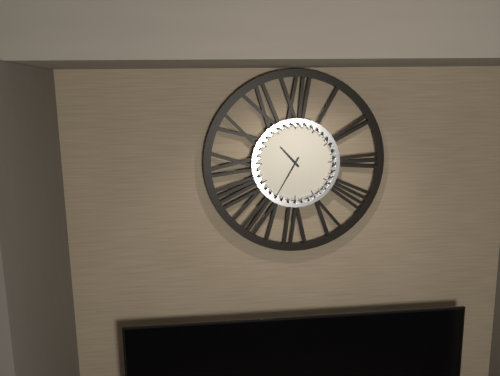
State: 10h35
